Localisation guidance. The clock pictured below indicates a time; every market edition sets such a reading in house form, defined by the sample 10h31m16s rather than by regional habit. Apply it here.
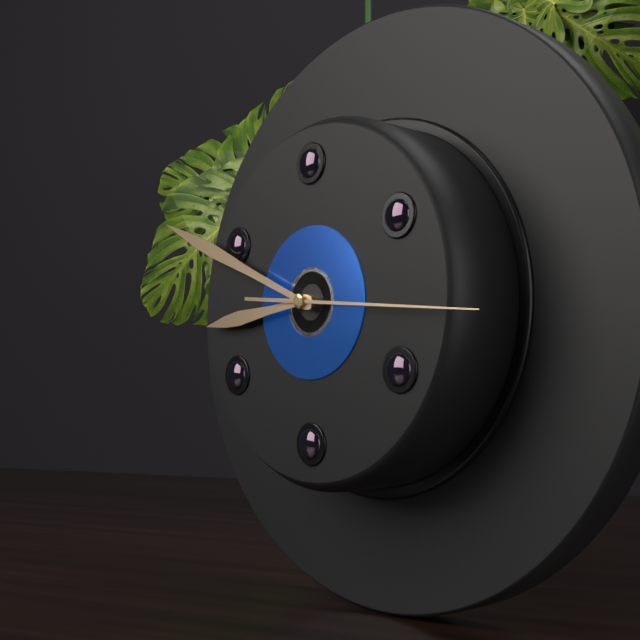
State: 8h49m16s
